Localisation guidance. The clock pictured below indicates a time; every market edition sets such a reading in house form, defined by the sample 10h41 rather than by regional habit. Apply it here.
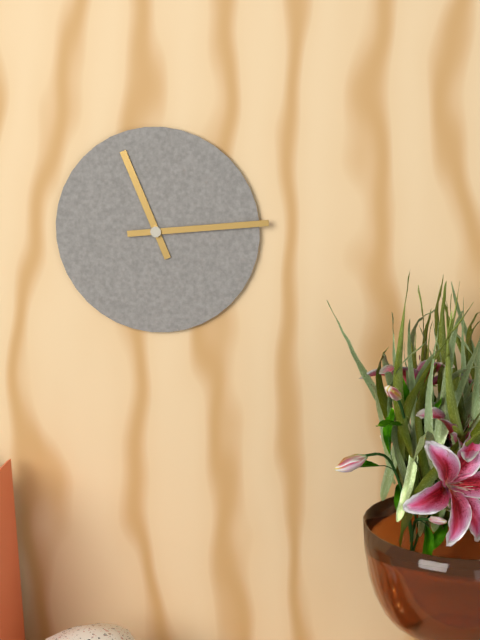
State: 11h14
